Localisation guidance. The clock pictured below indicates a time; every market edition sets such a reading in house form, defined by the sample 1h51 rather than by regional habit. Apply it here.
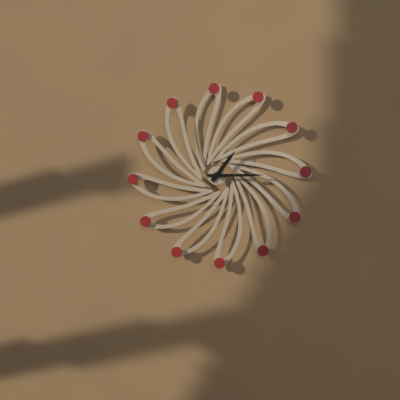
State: 1h15
